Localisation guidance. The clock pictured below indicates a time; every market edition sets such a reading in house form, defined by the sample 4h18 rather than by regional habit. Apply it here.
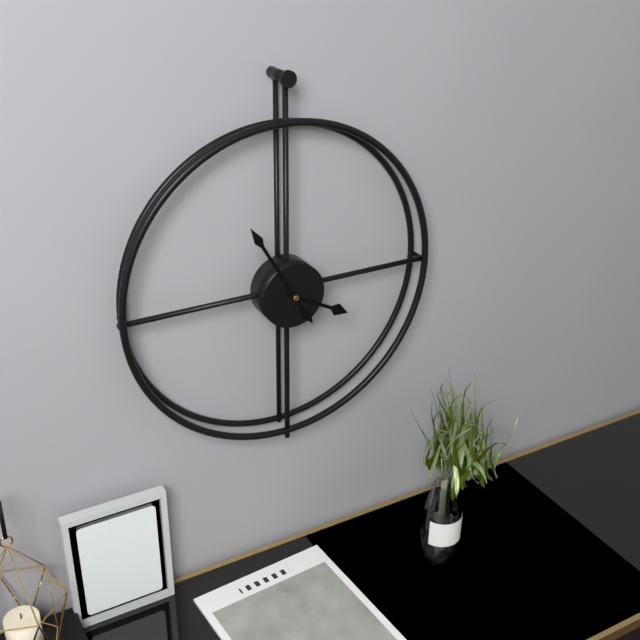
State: 3h55
